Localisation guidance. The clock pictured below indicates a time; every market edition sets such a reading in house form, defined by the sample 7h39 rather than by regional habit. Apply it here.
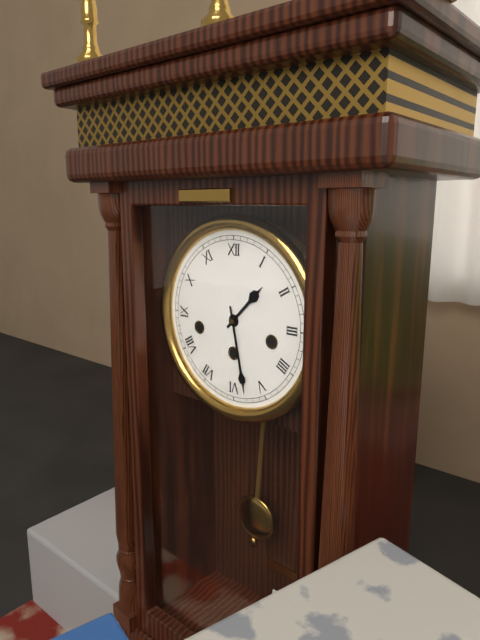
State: 1h28
